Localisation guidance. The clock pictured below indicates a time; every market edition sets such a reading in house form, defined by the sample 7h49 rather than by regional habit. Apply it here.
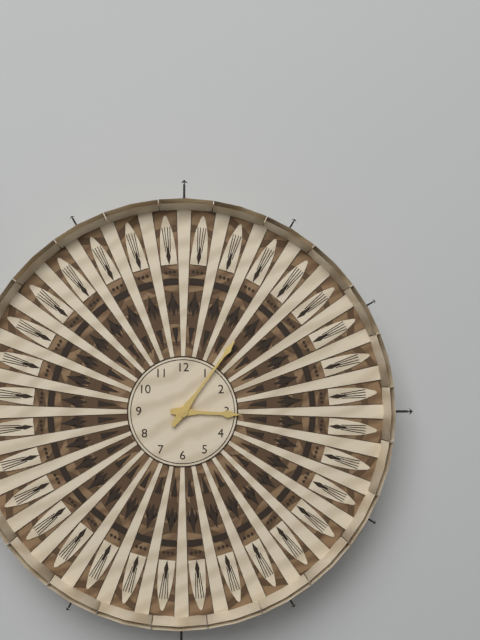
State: 3h06
